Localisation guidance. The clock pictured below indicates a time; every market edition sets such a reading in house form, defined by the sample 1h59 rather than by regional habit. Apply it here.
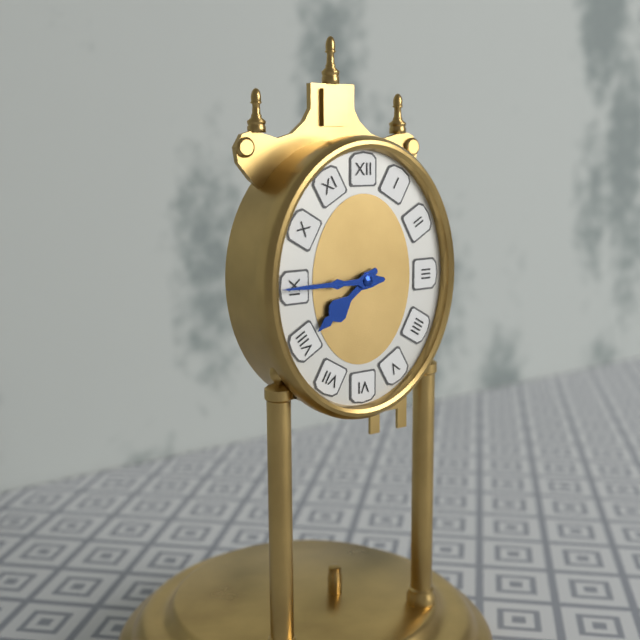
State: 7h45
